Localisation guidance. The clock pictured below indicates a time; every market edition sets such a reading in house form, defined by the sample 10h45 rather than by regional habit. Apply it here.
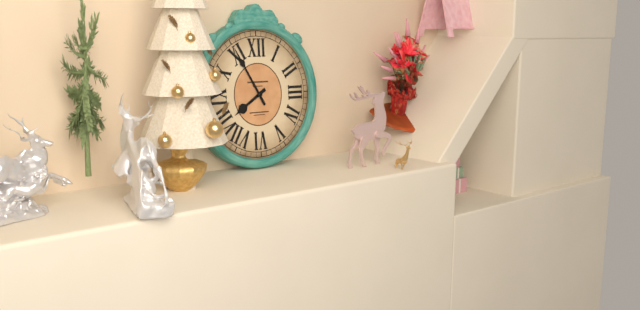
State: 7h55
